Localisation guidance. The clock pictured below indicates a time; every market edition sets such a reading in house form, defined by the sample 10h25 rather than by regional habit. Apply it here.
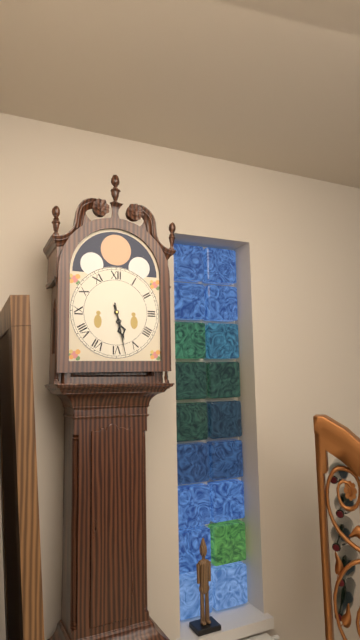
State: 5h28
